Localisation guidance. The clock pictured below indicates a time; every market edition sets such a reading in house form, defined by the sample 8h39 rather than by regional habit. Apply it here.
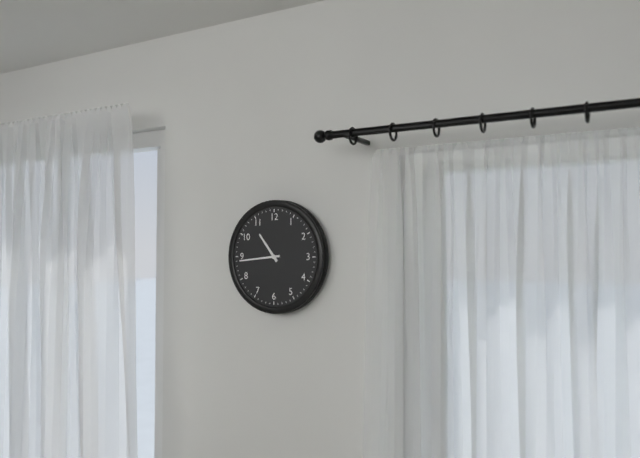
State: 10h44
